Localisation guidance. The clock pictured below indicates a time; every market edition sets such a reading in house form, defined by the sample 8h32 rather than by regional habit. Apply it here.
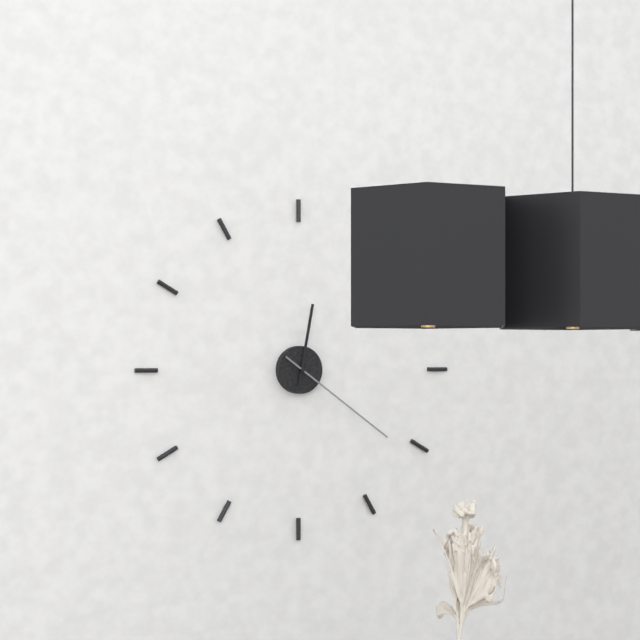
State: 12h21
